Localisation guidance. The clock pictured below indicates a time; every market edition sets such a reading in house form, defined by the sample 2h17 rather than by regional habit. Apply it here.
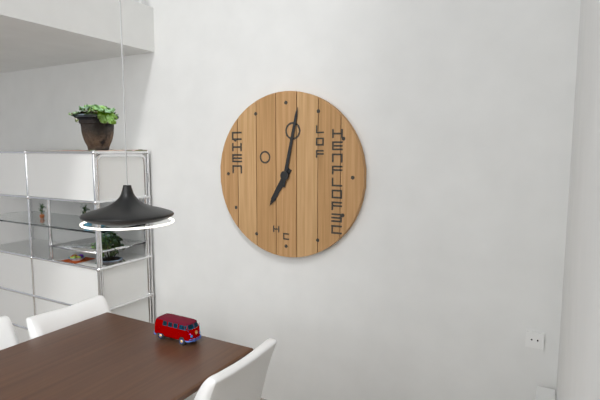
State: 7h02
